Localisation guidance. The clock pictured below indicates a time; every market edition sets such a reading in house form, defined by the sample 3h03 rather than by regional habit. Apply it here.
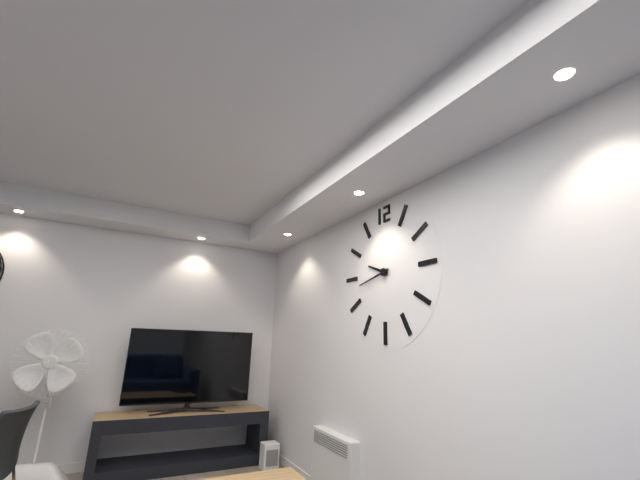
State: 9h43
